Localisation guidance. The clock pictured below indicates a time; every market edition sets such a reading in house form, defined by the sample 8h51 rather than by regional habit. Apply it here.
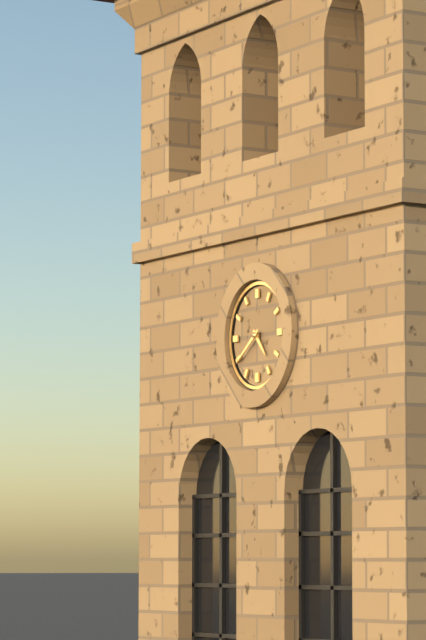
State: 4h39
